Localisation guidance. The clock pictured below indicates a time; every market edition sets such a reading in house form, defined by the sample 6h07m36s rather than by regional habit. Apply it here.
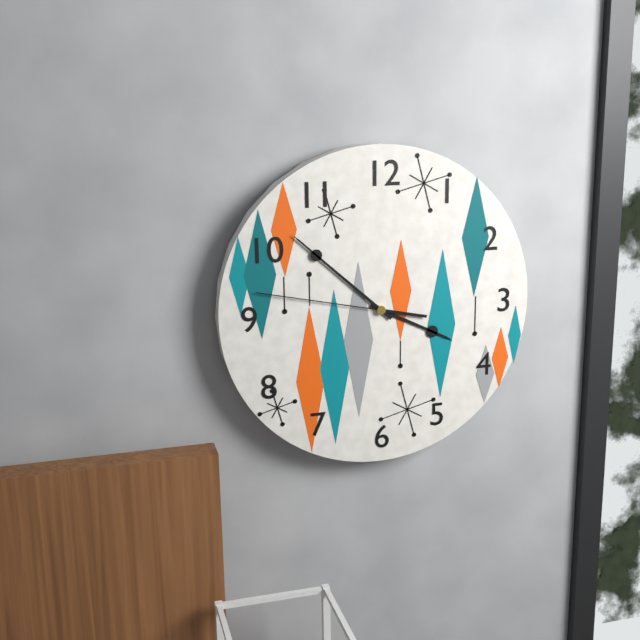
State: 3h52m47s
